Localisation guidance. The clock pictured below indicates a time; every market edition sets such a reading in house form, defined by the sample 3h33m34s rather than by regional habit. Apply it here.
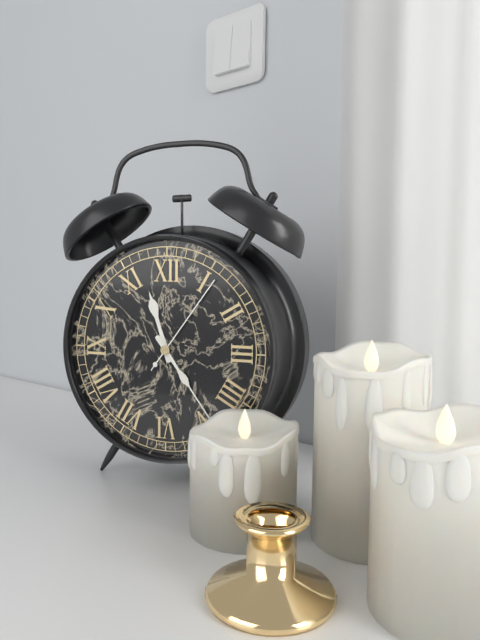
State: 11h24m06s
